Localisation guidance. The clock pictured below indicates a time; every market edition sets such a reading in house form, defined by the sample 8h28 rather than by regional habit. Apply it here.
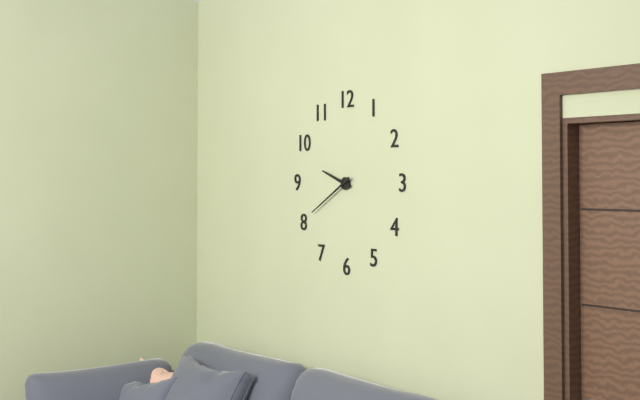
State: 9h40
